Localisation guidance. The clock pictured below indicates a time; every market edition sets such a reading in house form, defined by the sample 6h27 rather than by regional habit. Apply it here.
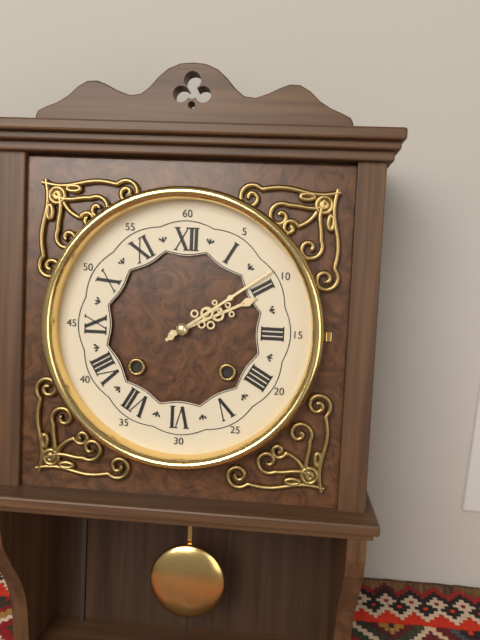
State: 2h09
